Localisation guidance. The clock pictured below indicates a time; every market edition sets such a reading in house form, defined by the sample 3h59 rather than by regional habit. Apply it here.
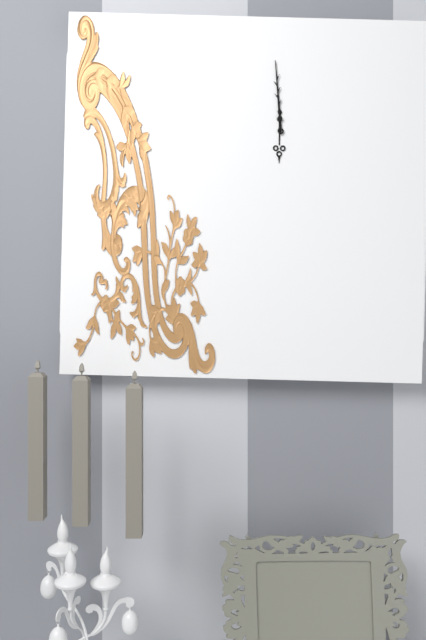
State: 5h59
